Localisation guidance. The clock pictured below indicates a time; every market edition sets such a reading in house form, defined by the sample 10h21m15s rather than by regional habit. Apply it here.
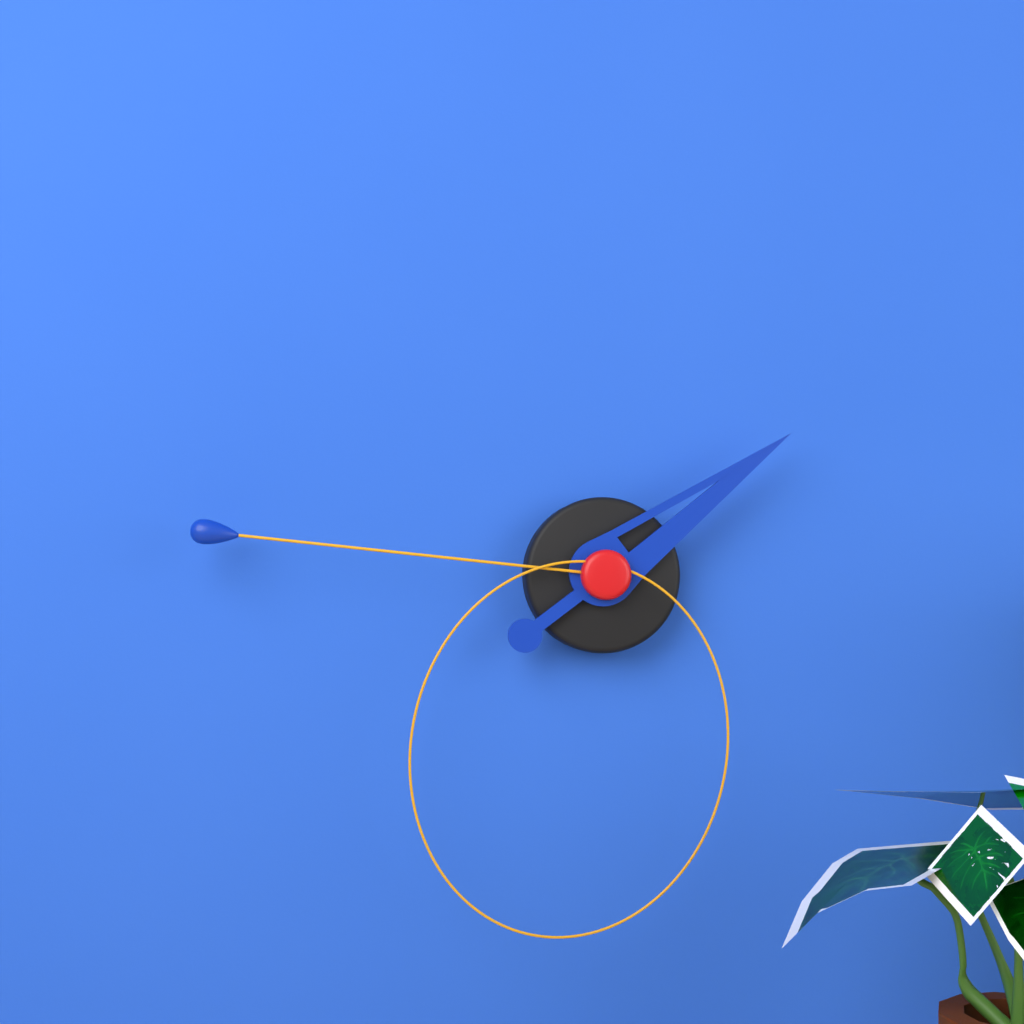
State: 1h46m32s
